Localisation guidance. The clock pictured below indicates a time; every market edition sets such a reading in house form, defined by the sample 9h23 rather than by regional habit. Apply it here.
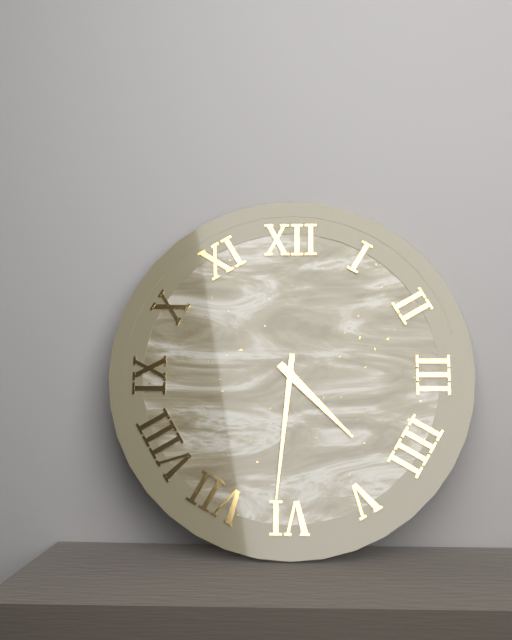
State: 4h31
